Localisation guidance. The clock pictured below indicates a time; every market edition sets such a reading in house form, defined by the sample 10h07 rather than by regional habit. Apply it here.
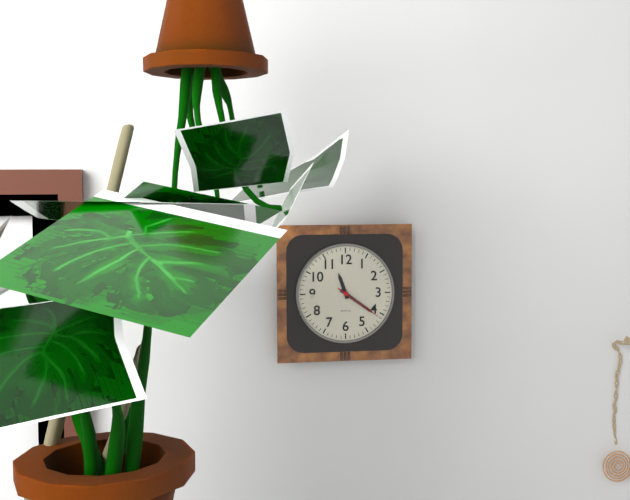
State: 11h21
